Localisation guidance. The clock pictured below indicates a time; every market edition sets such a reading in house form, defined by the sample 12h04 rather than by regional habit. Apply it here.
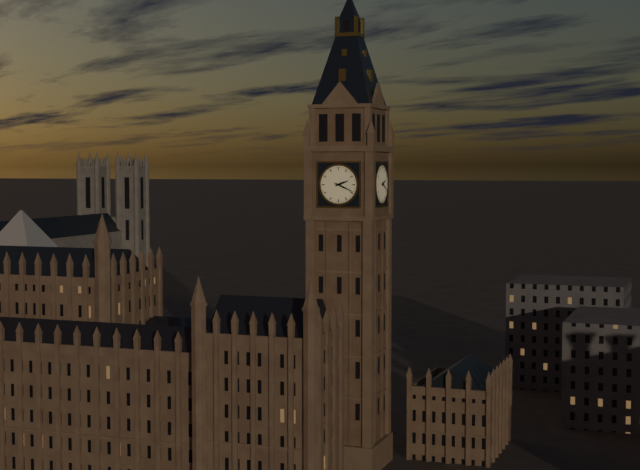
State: 2h19
